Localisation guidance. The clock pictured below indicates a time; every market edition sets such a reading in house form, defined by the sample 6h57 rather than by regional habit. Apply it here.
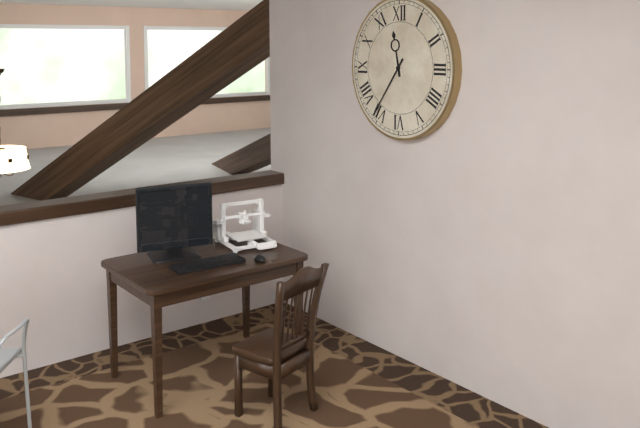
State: 11h36
